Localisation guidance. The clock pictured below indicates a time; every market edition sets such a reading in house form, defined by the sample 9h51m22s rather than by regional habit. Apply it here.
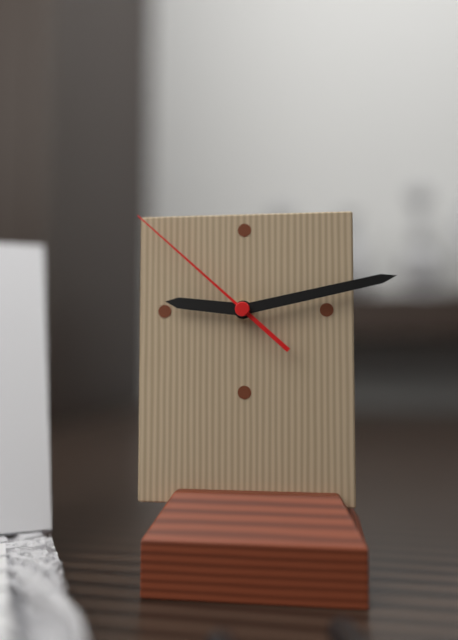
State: 9h13m52s
